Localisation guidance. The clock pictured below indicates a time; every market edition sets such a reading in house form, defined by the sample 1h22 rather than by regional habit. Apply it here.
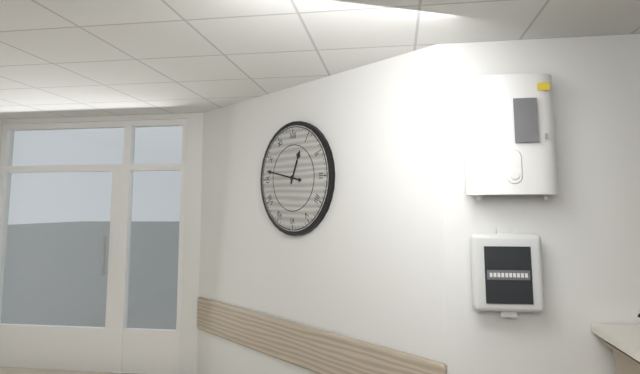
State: 12h47
